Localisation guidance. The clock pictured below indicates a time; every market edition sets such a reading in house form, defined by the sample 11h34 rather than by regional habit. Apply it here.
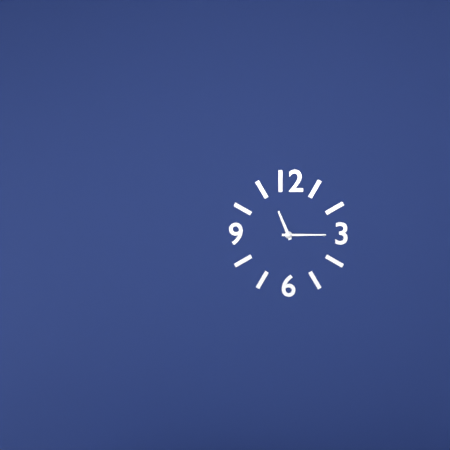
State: 11h15
